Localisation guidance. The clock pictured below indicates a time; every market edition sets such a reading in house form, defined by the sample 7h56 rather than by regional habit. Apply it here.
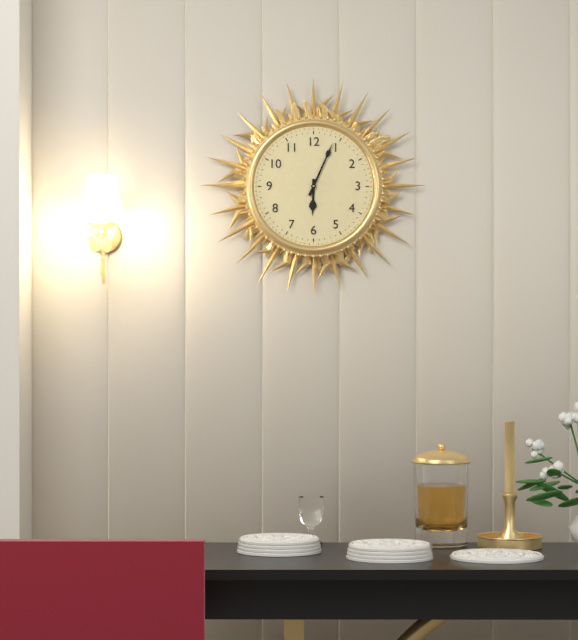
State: 6h04
